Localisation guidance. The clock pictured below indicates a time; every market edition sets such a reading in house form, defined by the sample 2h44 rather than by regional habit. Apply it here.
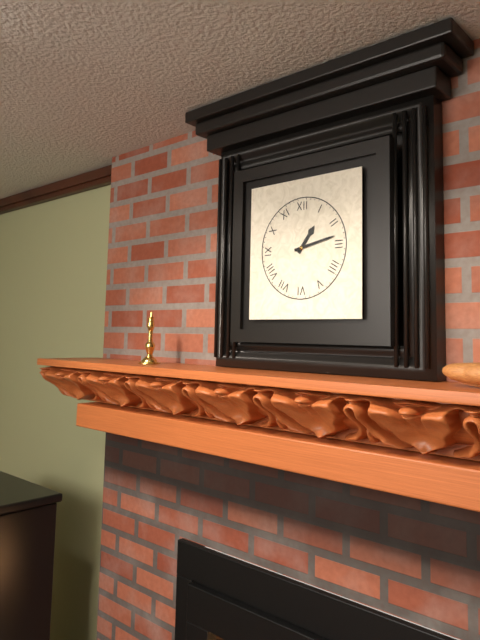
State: 1h13
